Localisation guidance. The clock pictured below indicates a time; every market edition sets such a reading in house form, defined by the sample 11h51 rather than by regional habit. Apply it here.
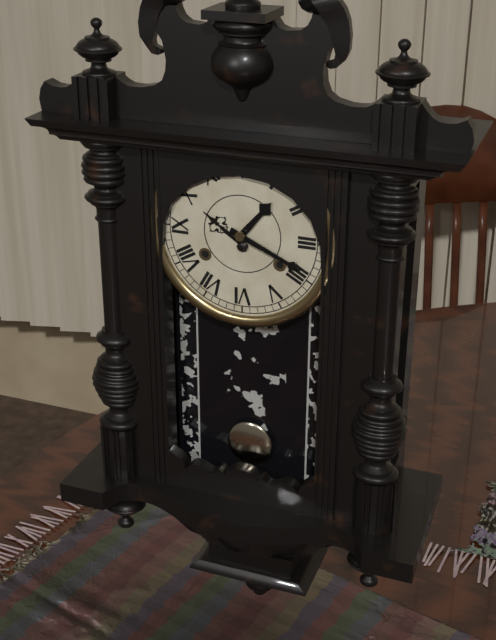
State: 1h19
